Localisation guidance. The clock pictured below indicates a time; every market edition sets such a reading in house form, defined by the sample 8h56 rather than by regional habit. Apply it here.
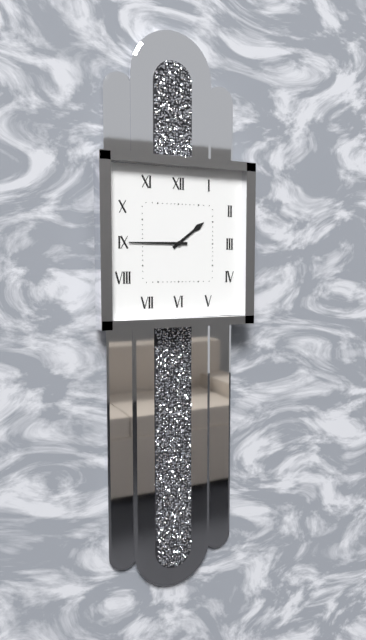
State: 1h45
